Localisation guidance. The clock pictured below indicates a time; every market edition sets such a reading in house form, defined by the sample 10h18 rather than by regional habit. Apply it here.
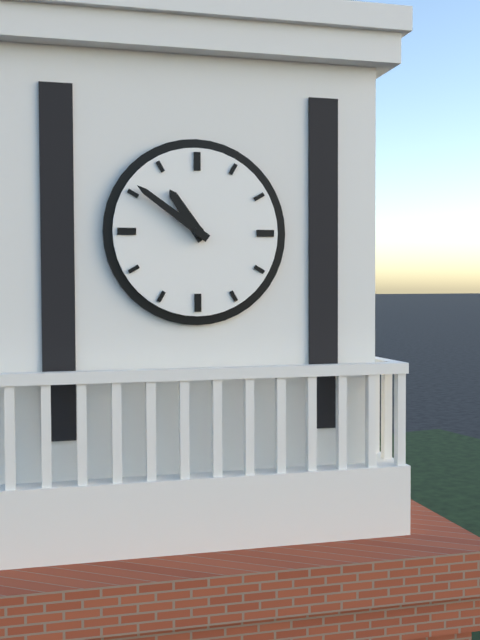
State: 10h51
